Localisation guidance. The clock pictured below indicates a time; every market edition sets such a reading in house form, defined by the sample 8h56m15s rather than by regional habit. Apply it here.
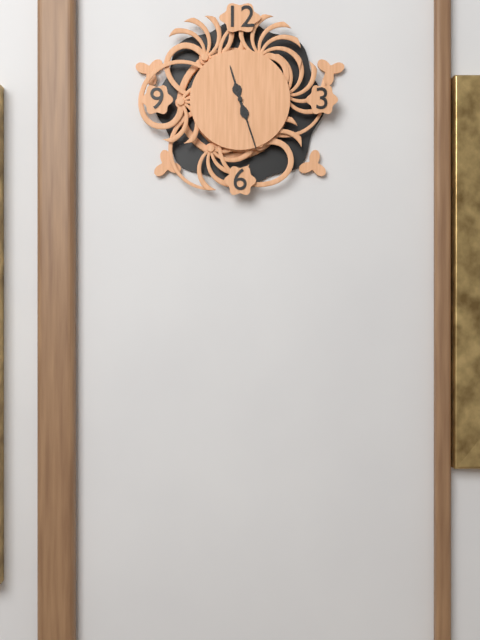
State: 11h27m27s
